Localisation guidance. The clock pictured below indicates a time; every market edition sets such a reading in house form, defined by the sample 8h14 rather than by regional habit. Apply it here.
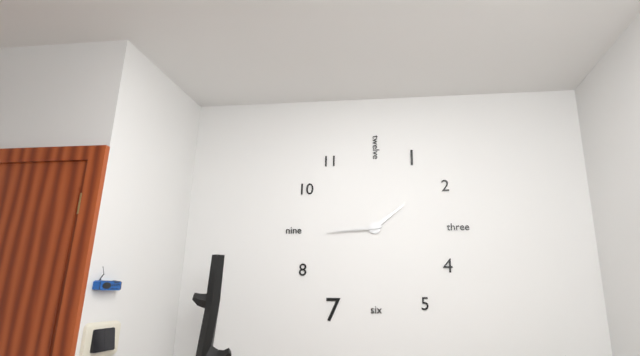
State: 1h44
